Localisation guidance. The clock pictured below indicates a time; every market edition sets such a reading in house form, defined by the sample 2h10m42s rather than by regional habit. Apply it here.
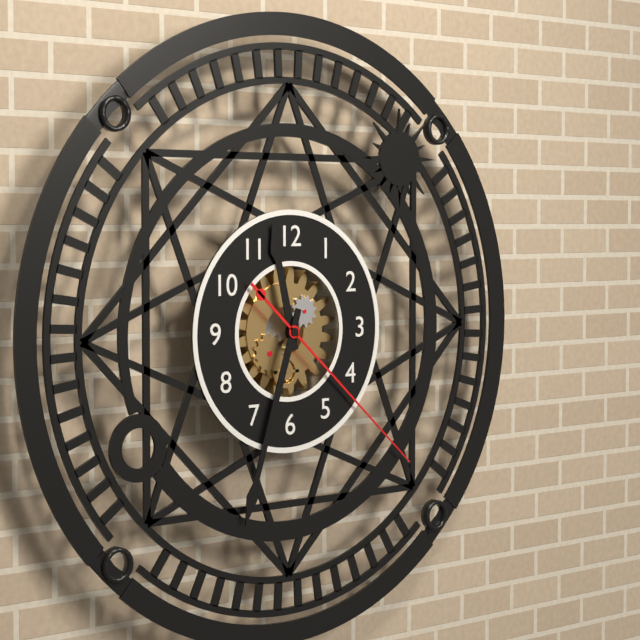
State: 11h33m22s
